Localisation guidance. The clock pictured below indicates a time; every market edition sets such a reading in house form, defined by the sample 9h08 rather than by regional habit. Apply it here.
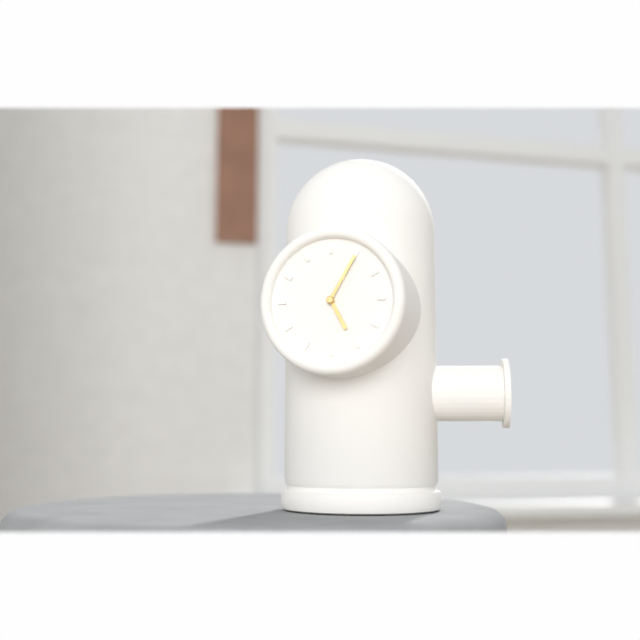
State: 5h05
